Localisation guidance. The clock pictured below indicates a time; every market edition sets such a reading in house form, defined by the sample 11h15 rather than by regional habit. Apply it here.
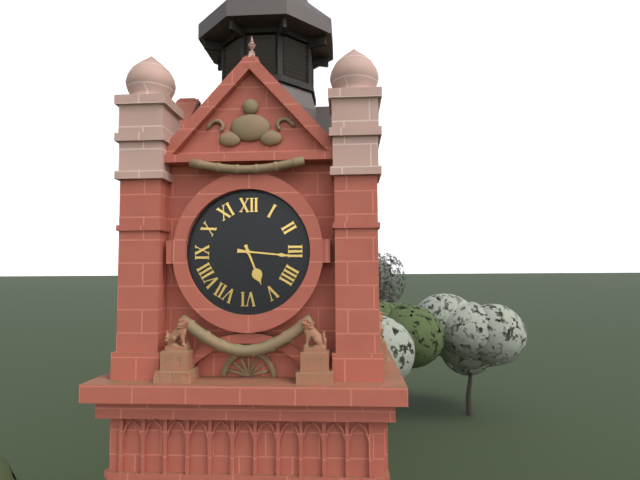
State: 5h16
